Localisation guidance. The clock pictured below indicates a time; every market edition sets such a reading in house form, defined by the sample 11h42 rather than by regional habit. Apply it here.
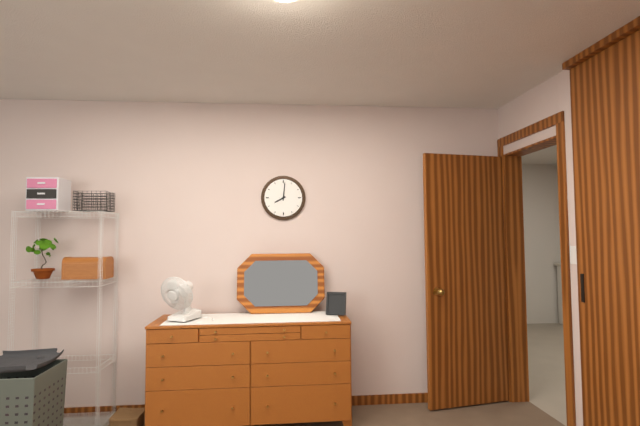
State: 8h01
